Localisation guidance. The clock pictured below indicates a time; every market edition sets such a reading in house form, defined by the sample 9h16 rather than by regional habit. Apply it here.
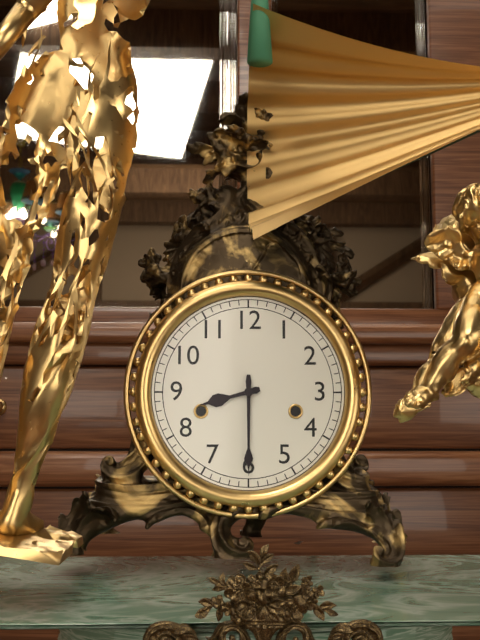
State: 8h30
